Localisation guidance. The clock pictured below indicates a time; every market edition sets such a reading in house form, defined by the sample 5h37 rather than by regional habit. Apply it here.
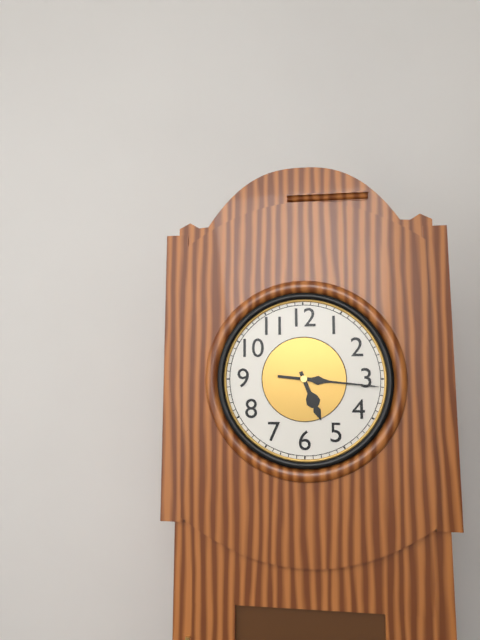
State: 5h16
